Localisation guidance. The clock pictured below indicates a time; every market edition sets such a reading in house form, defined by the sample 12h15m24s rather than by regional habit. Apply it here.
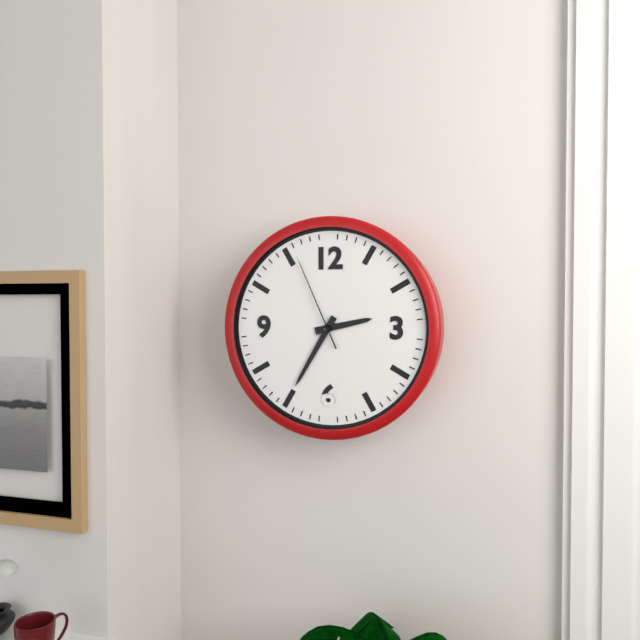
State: 2h35m56s
